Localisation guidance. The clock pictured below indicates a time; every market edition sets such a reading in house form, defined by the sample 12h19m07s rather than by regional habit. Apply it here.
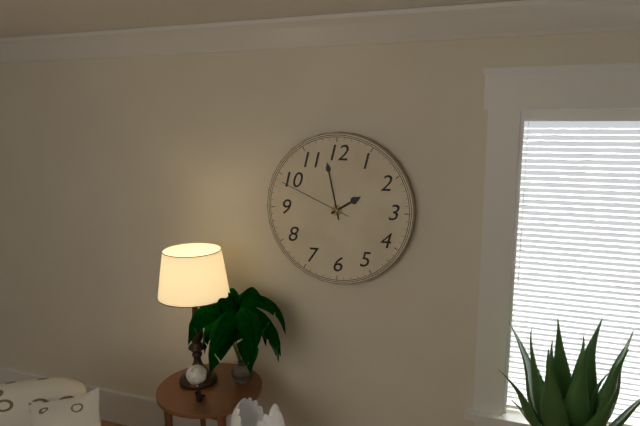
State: 1h58m49s
